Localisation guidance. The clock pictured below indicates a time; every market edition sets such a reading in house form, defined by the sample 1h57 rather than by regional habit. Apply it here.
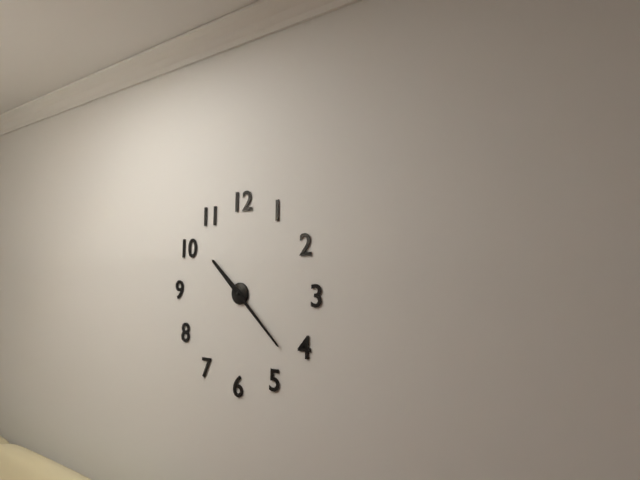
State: 10h22
